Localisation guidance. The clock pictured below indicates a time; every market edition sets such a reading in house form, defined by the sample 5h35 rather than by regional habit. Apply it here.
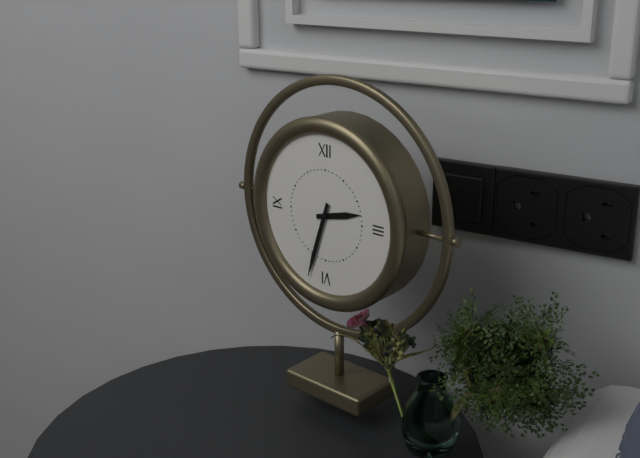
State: 2h33
